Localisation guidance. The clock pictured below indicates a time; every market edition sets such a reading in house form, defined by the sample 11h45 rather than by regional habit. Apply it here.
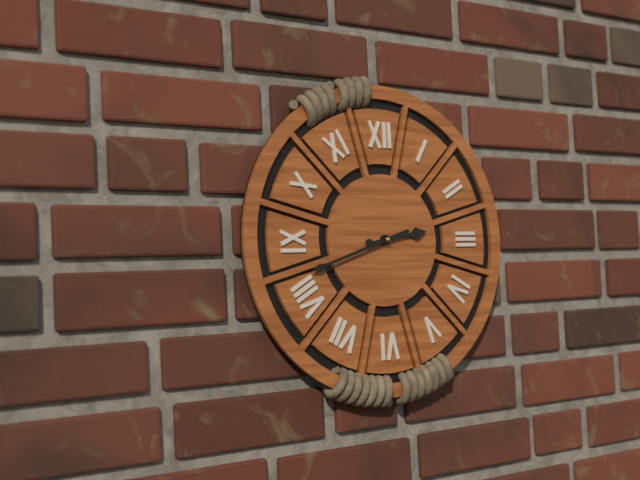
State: 2h42
